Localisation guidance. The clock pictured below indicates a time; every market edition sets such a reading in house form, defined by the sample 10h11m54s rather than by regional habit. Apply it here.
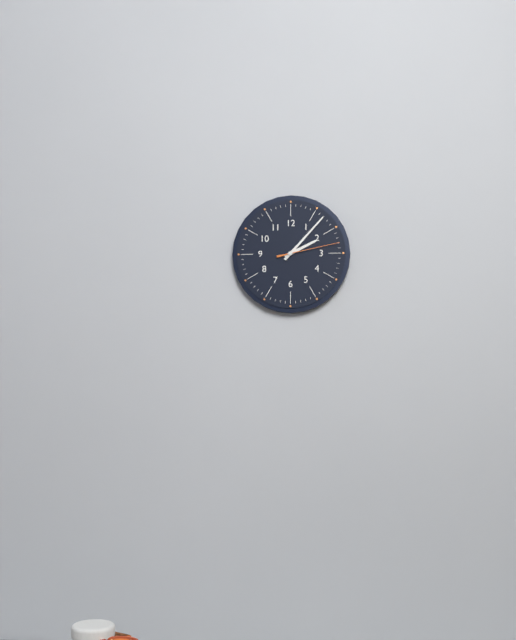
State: 2h07m13s
